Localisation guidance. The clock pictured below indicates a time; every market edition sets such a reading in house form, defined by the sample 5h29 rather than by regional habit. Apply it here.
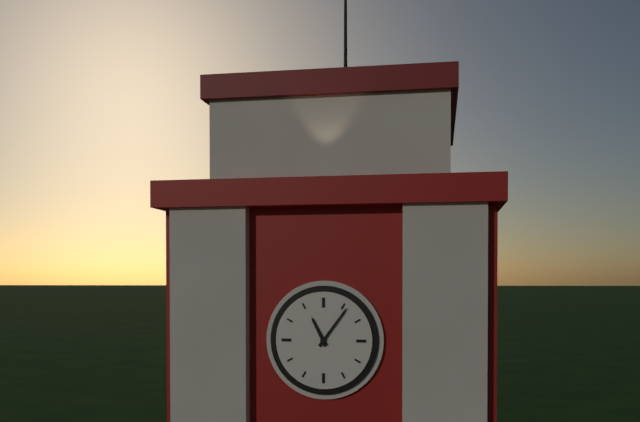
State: 11h06
